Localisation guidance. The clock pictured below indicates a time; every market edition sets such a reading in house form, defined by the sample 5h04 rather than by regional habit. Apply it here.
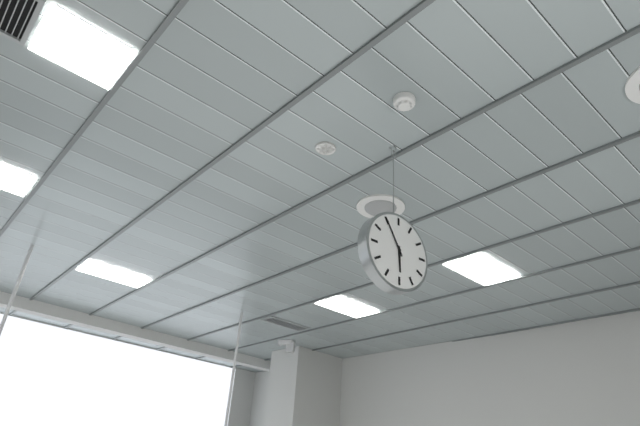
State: 5h55
